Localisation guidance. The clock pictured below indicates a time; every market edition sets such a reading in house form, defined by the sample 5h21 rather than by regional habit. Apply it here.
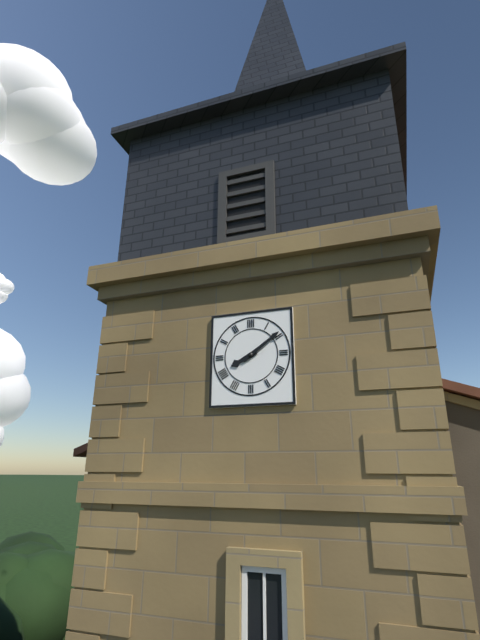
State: 8h09
